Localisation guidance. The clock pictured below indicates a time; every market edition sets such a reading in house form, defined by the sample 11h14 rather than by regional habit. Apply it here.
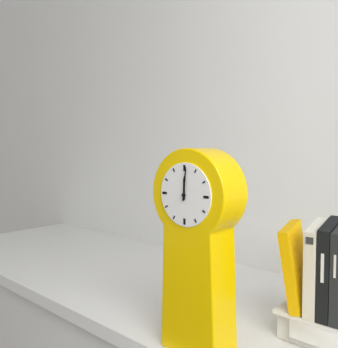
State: 12h01
